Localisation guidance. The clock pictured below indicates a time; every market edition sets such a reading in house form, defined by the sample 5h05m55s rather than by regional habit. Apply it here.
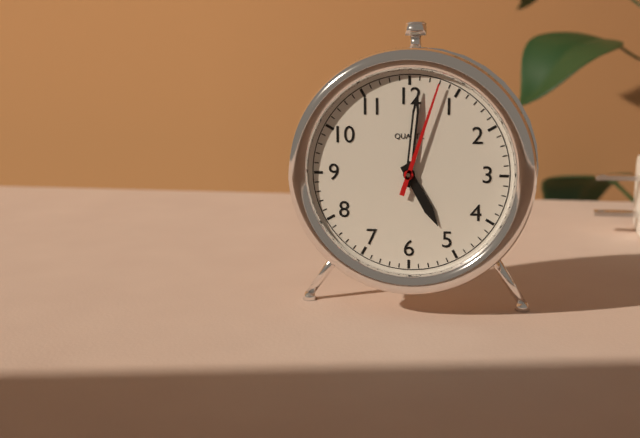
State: 5h01m03s
